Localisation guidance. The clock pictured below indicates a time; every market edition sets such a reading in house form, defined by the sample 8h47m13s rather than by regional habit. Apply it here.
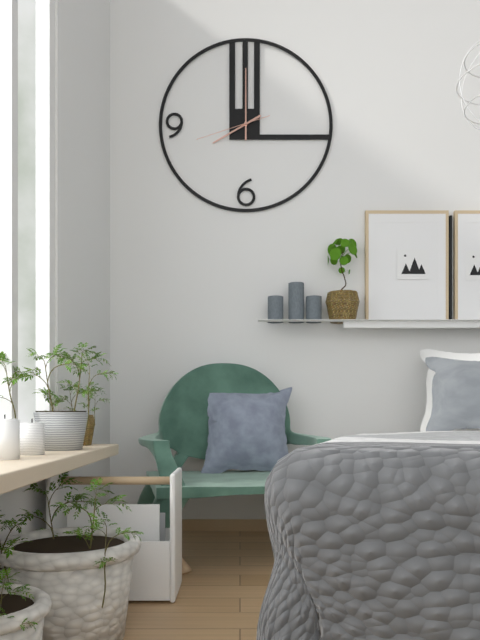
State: 8h00m42s
